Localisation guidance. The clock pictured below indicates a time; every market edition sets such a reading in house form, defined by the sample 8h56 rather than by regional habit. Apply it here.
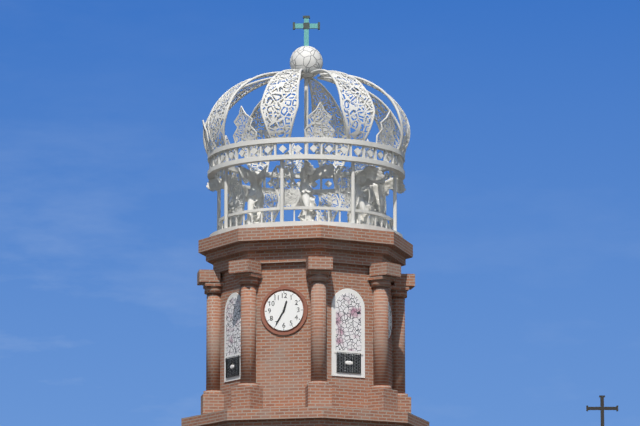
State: 12h35
